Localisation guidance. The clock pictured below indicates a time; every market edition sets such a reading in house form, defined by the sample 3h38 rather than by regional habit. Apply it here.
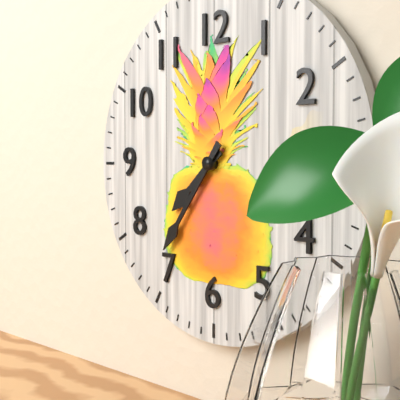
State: 7h36
